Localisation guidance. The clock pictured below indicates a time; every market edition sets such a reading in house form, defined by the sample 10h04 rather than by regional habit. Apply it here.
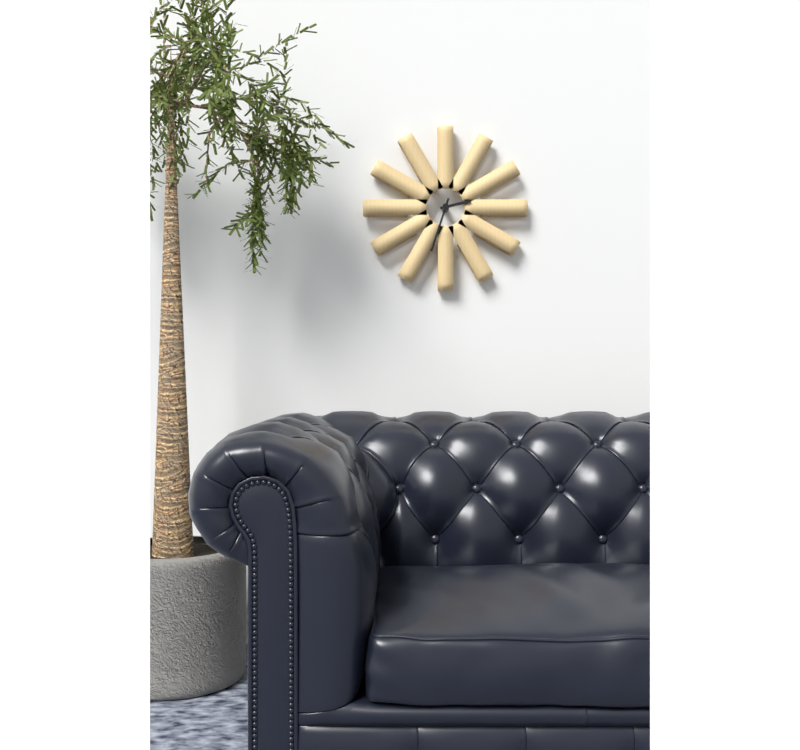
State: 2h33
